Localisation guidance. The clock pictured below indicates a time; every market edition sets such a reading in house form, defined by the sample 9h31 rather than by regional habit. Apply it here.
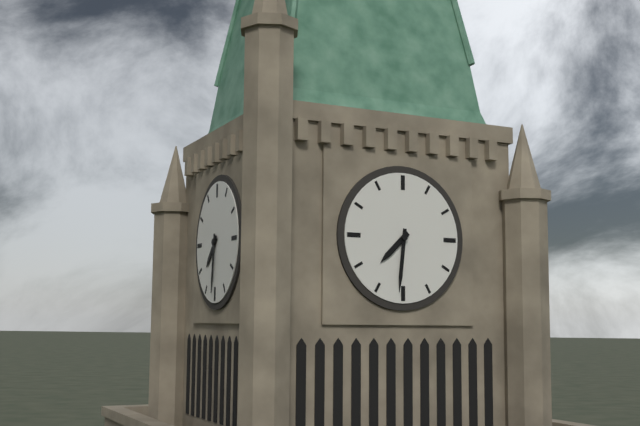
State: 7h31
